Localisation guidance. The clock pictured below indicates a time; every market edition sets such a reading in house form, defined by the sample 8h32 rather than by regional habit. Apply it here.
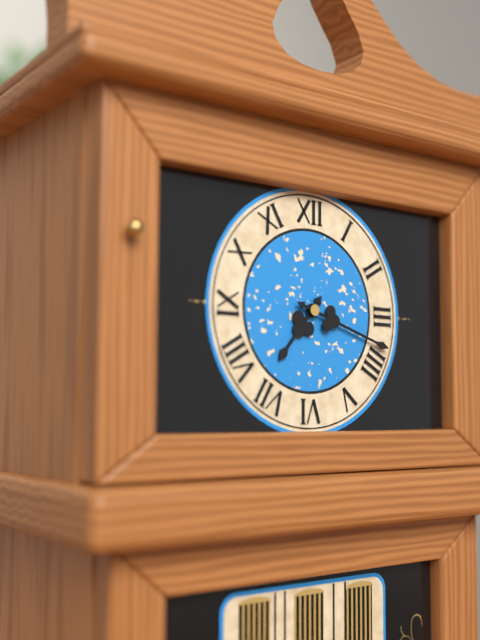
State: 7h18
